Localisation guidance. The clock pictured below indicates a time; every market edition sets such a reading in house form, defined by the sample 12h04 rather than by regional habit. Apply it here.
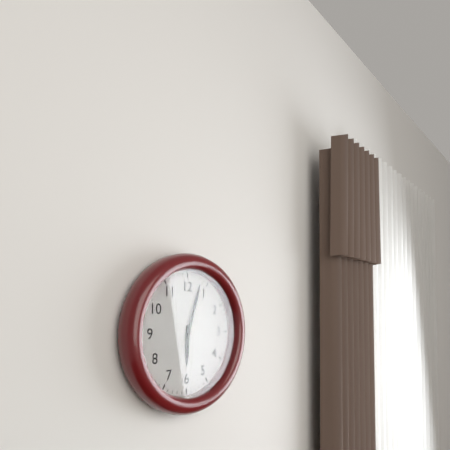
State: 6h03
